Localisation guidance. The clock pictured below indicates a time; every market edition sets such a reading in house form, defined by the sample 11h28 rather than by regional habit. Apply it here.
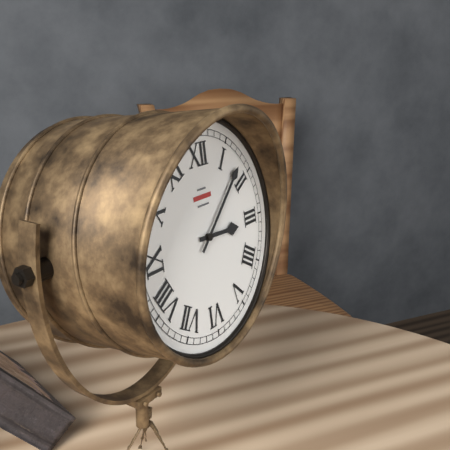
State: 3h08
